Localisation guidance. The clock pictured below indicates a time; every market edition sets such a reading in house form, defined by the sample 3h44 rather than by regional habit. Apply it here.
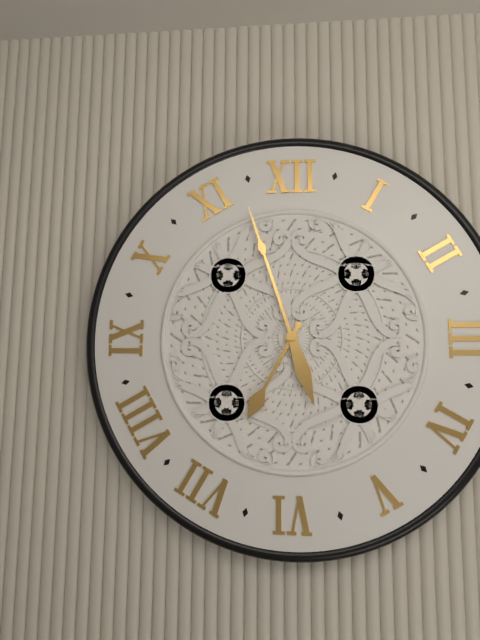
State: 6h57
